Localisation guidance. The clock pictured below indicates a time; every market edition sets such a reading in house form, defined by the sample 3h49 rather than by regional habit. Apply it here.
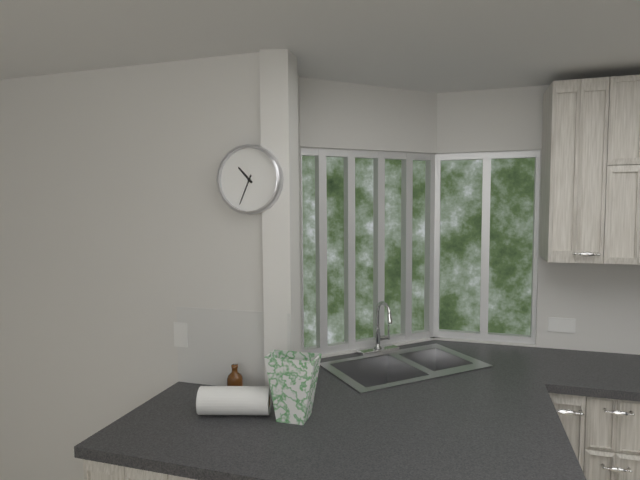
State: 10h34
